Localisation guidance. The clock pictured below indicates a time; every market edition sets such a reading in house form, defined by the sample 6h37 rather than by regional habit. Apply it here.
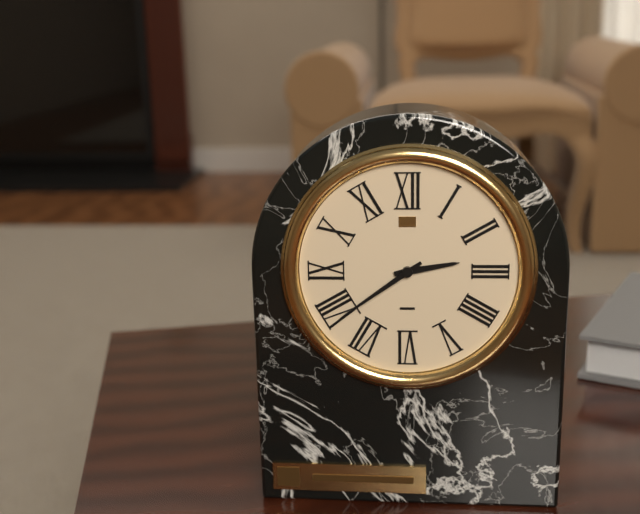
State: 2h39
